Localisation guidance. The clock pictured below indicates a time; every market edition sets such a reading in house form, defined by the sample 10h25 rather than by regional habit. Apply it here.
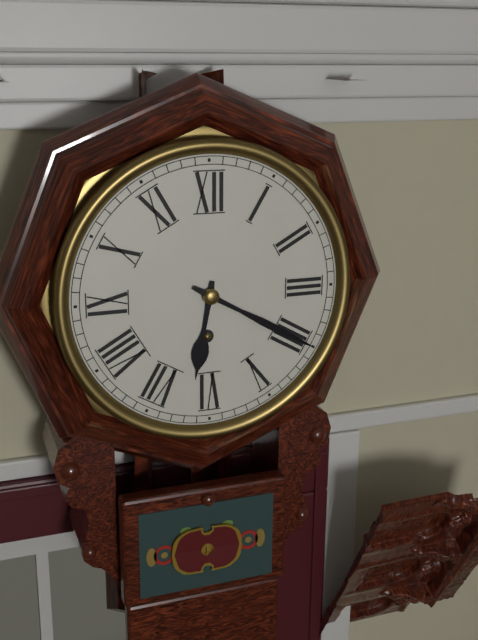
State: 6h20
